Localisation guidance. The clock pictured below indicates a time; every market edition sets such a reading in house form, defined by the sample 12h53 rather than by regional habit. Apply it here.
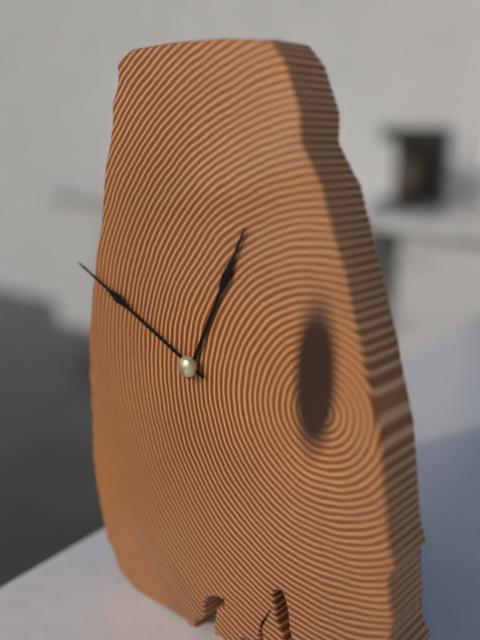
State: 12h49
